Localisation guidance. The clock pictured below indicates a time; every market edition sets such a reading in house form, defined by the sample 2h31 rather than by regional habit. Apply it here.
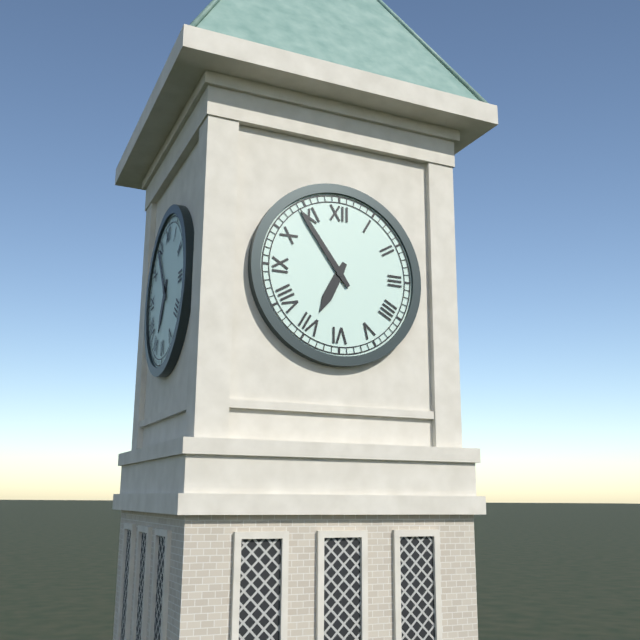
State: 6h54
